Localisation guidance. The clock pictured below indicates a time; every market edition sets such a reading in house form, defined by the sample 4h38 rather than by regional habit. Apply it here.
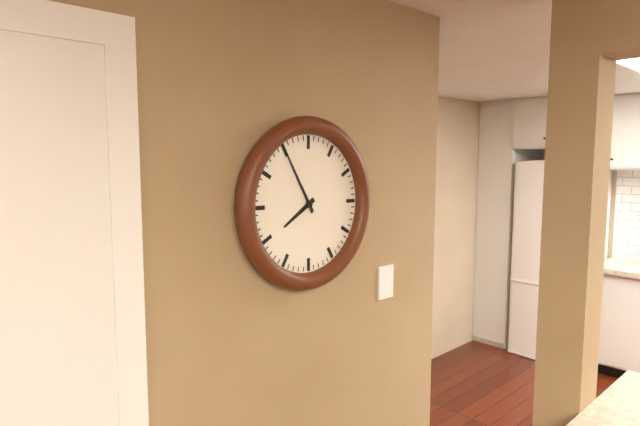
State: 7h55
